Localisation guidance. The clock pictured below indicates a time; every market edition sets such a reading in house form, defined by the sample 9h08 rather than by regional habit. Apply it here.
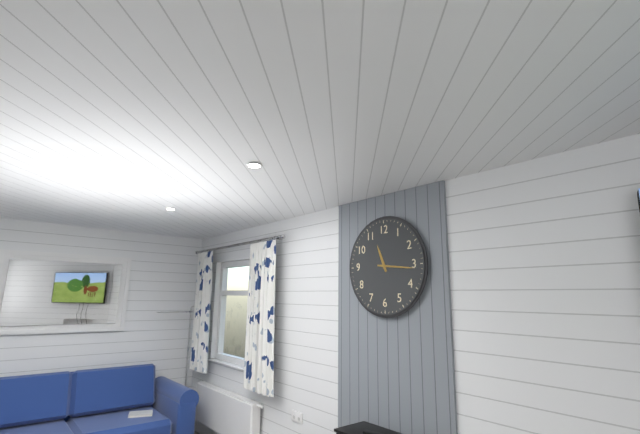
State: 11h16
